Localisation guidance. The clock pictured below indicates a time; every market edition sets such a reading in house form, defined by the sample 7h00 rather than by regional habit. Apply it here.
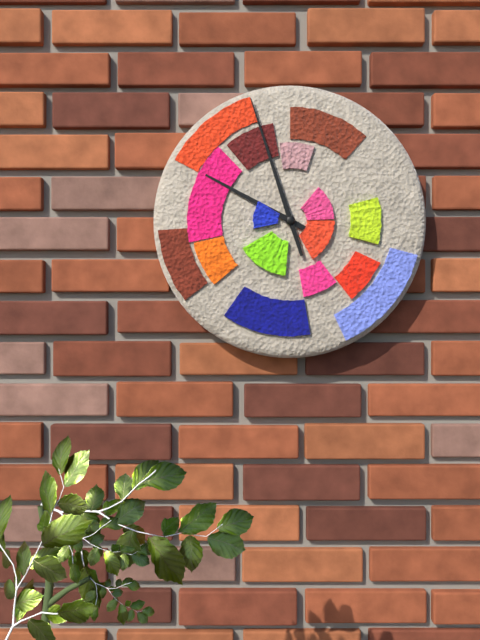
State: 9h57
